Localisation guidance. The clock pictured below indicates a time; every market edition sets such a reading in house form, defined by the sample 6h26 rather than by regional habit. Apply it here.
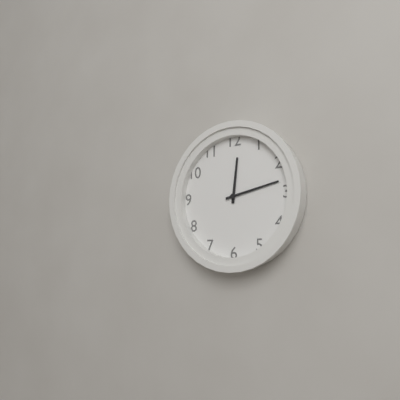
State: 12h13
